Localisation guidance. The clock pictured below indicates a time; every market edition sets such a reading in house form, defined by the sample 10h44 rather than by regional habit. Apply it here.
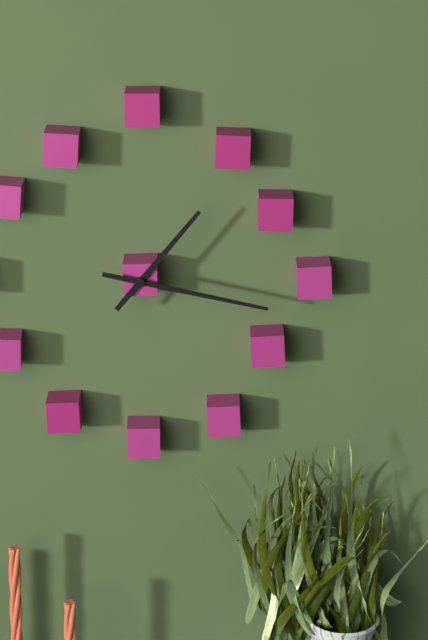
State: 1h17
